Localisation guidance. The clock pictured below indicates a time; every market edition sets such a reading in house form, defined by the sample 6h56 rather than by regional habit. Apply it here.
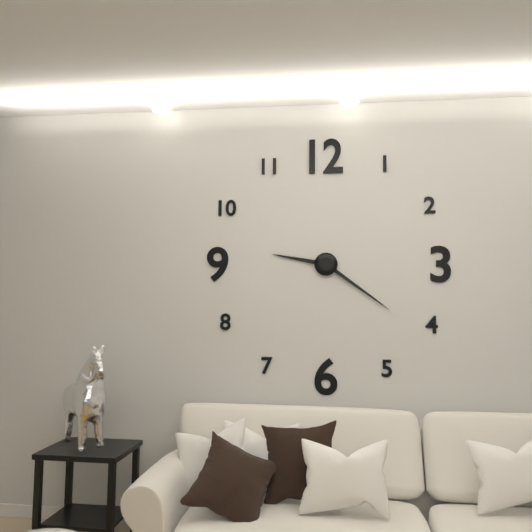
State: 9h21
